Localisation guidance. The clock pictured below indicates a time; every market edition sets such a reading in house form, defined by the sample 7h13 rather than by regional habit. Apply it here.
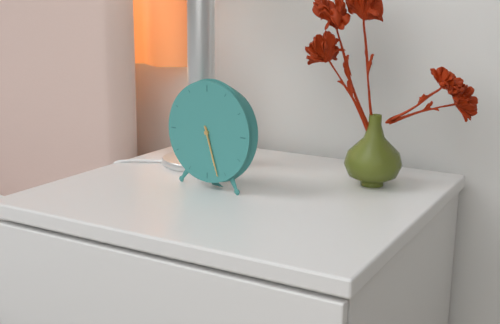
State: 5h27
